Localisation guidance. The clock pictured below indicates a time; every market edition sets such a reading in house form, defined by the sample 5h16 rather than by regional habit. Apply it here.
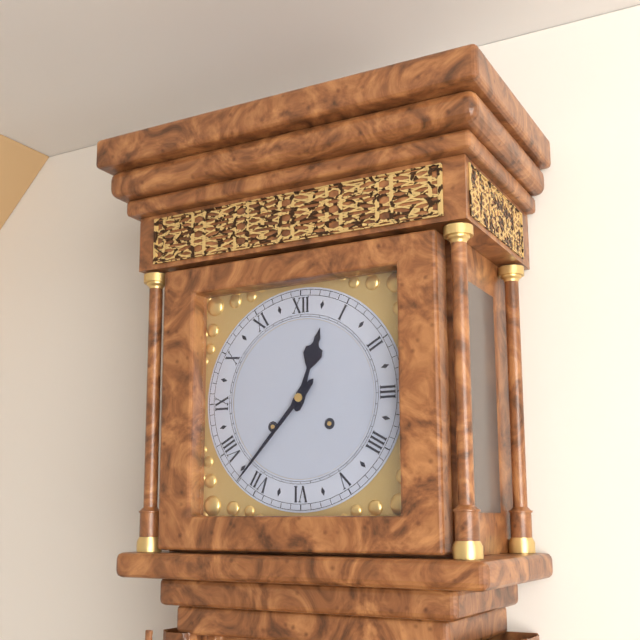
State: 12h37
